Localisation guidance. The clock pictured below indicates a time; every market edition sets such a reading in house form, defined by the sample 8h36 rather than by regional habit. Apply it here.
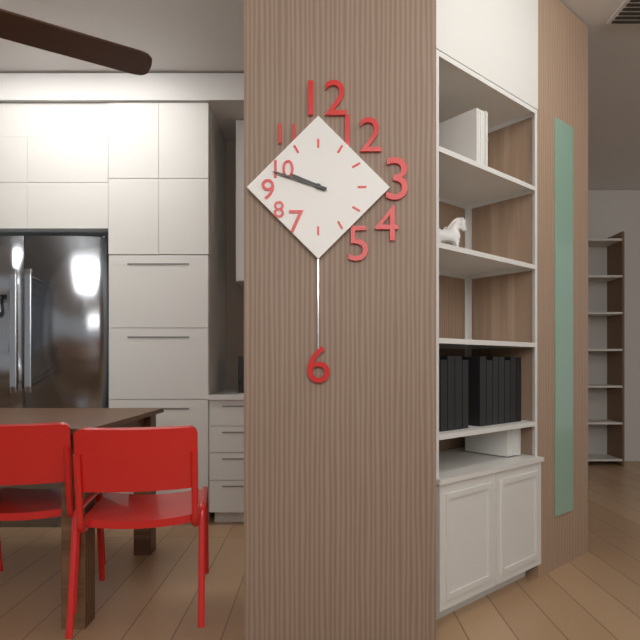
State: 9h48
